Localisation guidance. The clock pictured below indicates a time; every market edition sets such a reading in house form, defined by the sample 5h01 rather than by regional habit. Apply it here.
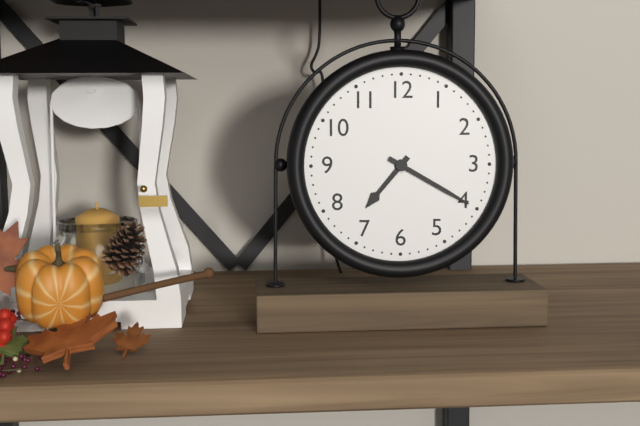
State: 7h20
